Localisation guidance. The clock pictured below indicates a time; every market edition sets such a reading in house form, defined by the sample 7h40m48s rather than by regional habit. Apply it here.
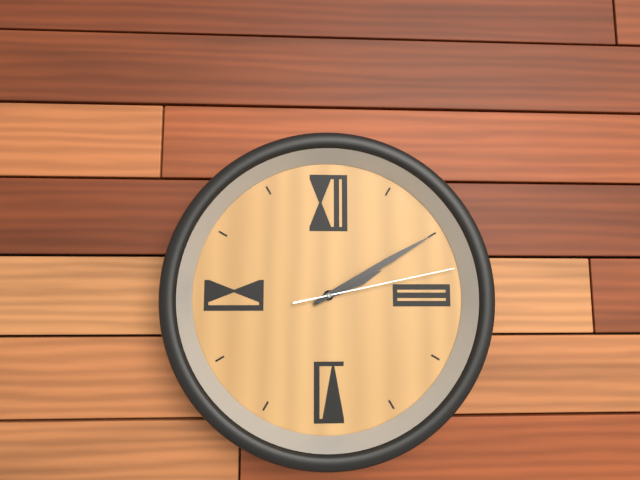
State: 2h10m13s
